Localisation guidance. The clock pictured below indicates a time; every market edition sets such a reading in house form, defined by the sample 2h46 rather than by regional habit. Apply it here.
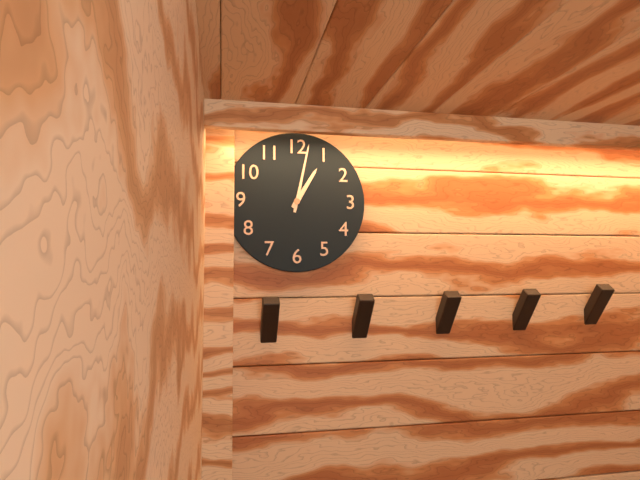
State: 1h02
